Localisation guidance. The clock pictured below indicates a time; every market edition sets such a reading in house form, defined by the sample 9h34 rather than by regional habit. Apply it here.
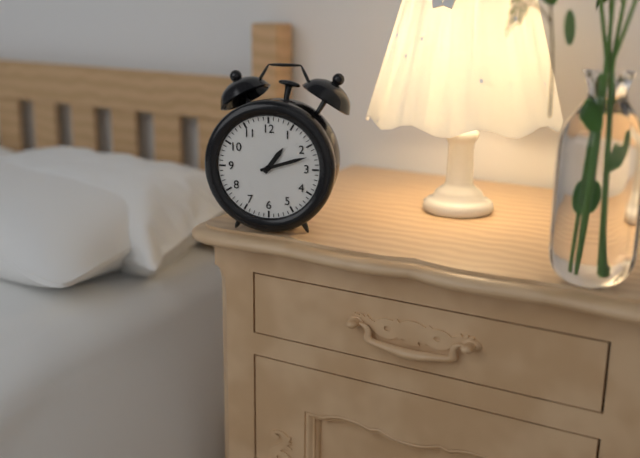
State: 1h12
